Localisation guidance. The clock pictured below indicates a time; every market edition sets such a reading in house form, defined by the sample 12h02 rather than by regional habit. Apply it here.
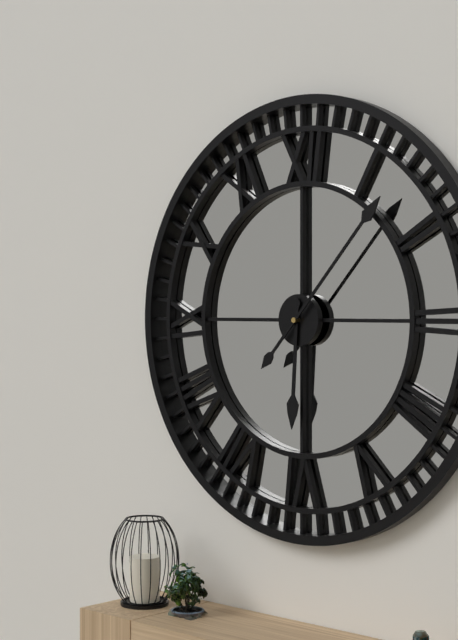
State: 6h07
